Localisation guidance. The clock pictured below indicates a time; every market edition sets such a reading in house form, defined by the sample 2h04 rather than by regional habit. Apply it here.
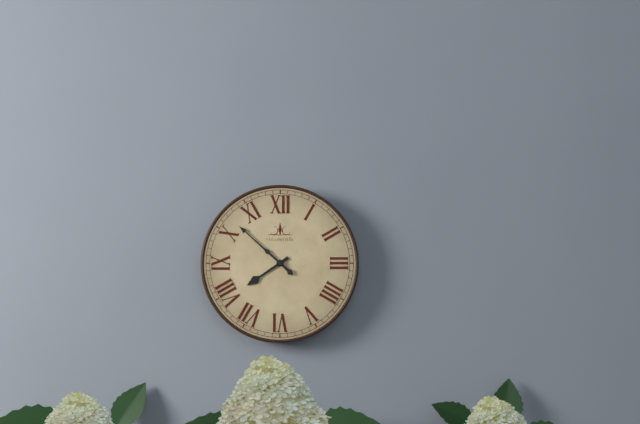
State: 7h52
